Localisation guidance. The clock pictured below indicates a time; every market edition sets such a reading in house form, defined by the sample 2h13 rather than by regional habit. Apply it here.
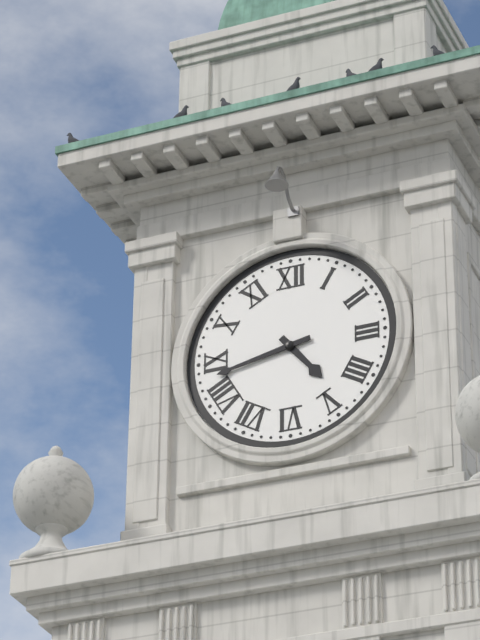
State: 4h43
